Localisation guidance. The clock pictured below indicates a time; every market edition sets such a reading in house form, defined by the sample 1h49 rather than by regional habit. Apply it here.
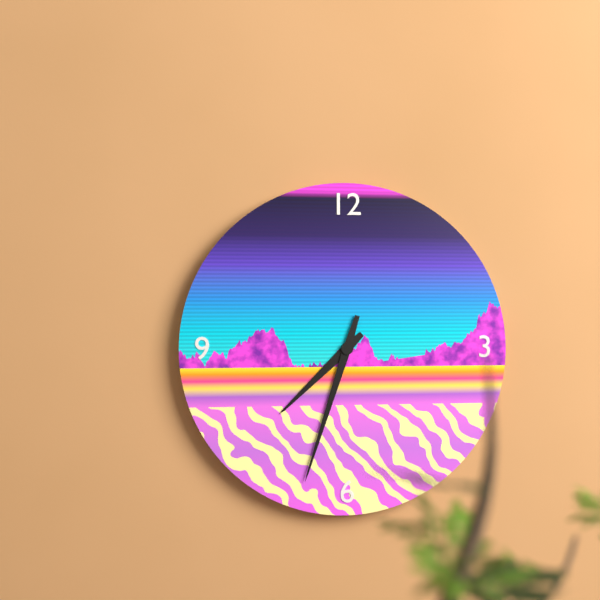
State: 7h33
